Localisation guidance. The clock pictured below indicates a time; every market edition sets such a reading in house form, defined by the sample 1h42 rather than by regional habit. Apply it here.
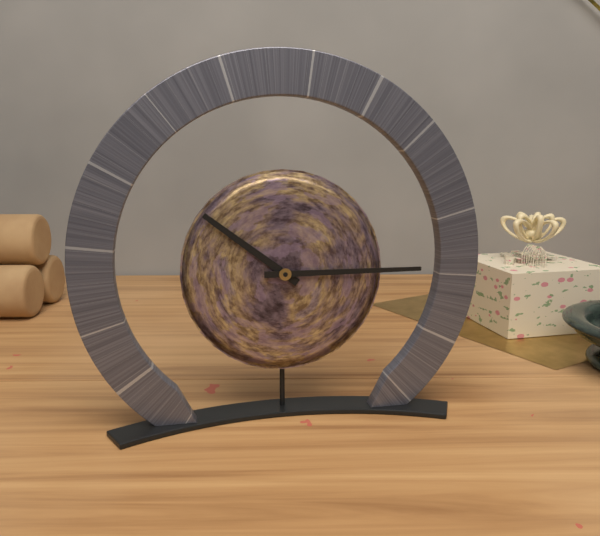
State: 10h15
